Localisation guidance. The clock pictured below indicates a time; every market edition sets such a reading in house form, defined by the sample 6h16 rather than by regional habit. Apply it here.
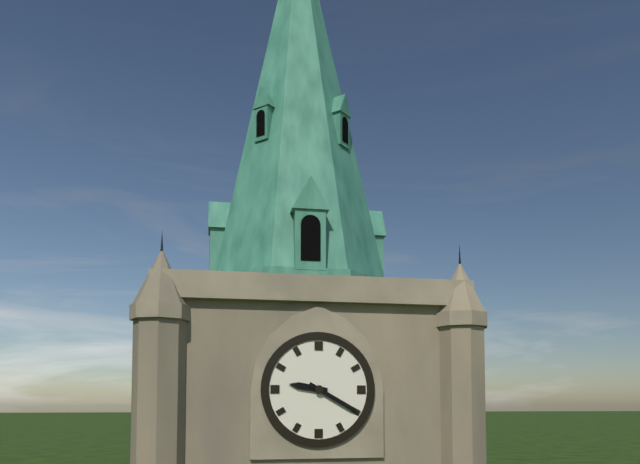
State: 9h20
